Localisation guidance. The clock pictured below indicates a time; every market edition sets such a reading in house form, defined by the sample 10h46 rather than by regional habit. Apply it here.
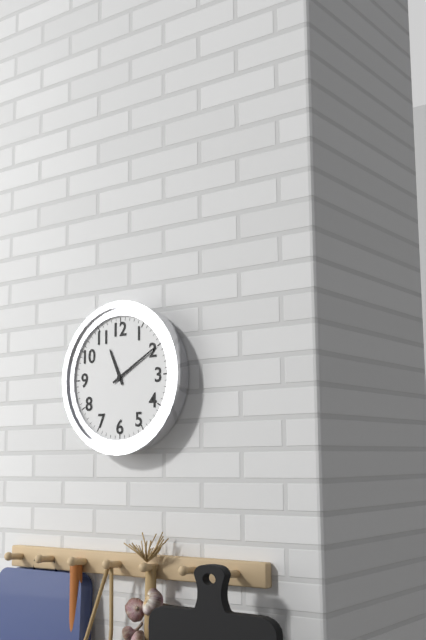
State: 11h10
